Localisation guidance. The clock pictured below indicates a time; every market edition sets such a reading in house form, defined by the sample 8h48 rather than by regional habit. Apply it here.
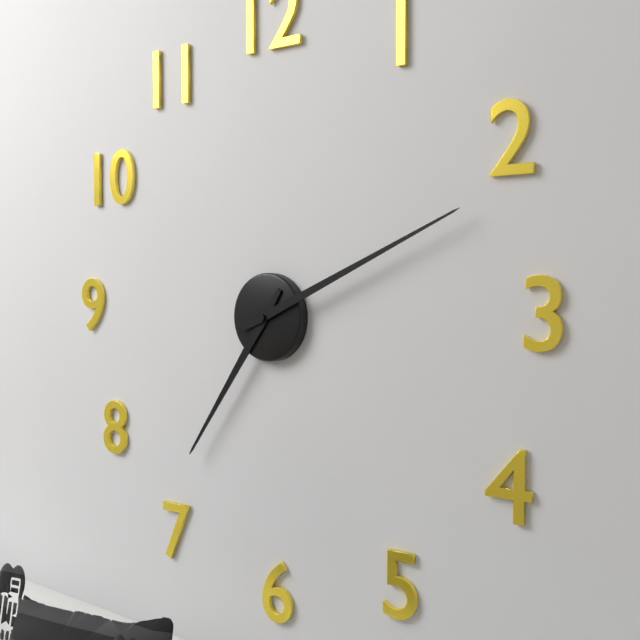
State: 7h11
